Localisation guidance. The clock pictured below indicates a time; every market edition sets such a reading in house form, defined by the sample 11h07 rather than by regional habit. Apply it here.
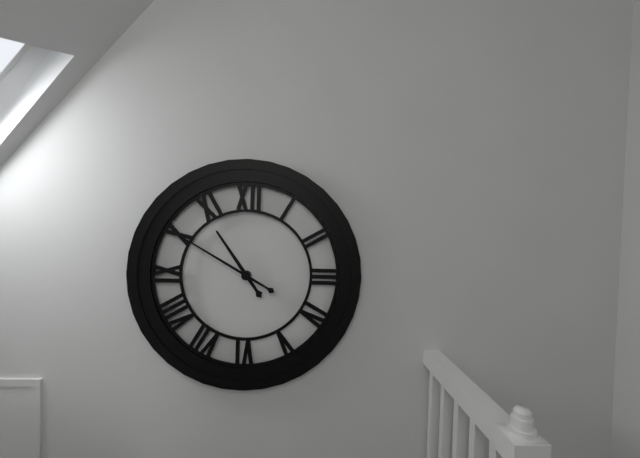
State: 10h50
